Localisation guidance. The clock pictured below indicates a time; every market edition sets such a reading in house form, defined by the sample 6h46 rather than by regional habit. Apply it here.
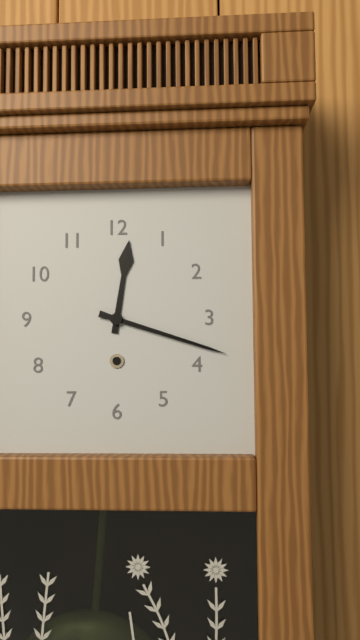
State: 12h18
